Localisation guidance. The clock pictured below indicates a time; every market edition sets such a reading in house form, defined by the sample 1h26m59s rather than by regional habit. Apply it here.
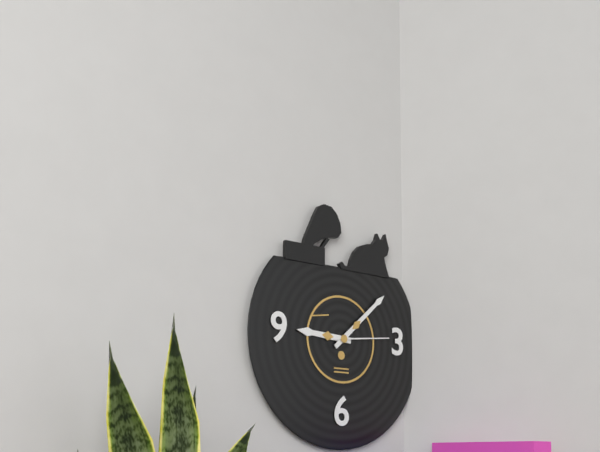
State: 9h08m14s
